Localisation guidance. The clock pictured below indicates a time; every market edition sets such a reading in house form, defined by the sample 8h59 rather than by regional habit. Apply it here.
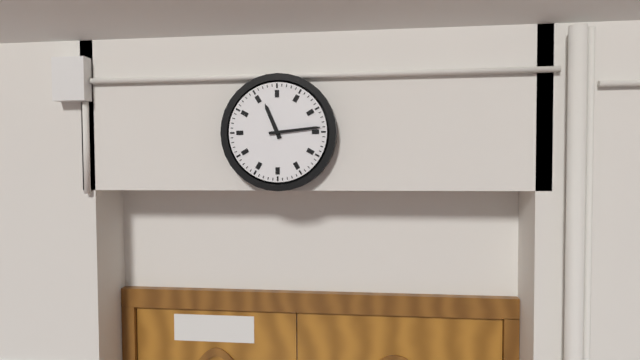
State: 11h14
